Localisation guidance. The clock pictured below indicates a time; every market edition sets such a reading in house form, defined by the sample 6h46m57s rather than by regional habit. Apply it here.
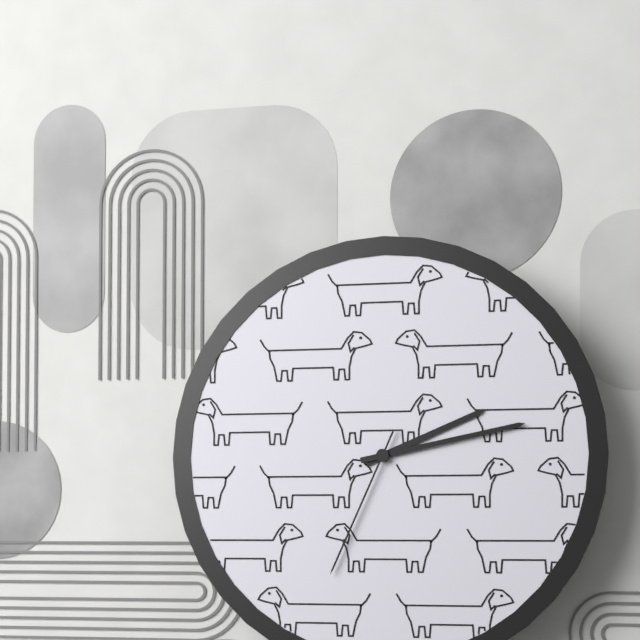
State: 2h13m34s
